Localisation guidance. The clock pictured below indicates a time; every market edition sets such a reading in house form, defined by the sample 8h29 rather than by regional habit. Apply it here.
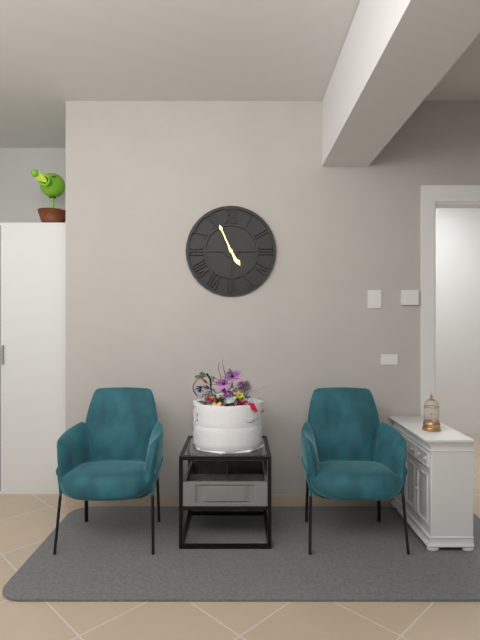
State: 4h56
